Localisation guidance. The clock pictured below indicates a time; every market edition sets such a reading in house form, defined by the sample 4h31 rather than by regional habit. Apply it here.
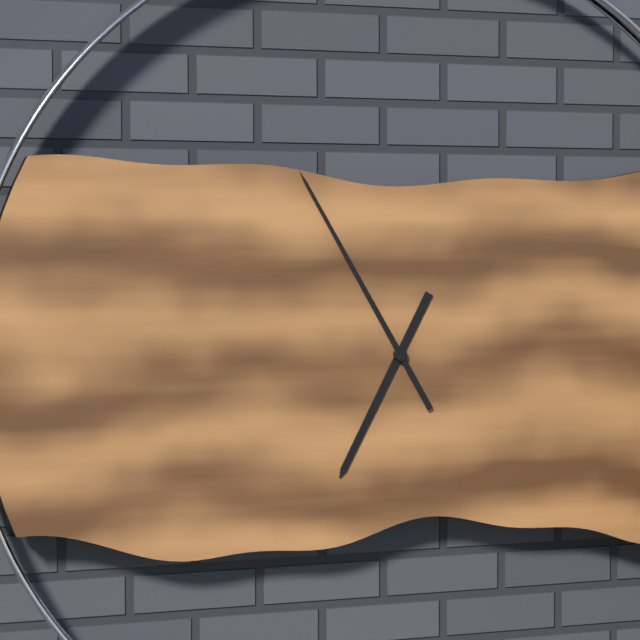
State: 6h55
